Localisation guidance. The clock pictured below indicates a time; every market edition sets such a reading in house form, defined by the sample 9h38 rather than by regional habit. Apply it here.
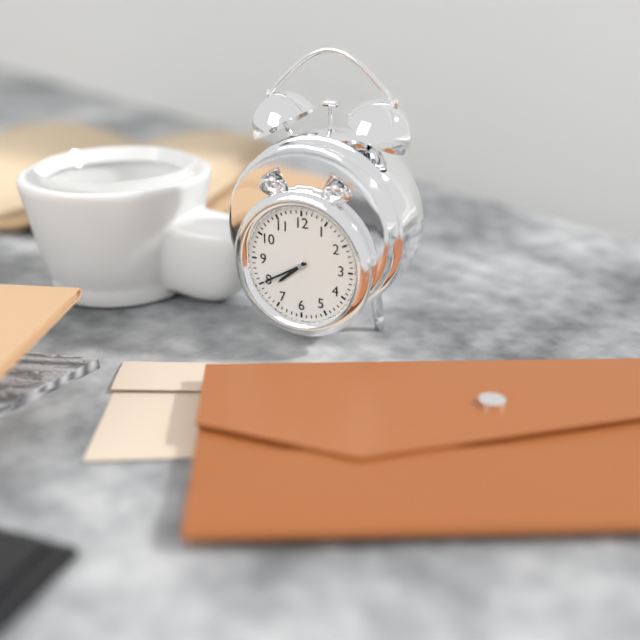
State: 7h40
